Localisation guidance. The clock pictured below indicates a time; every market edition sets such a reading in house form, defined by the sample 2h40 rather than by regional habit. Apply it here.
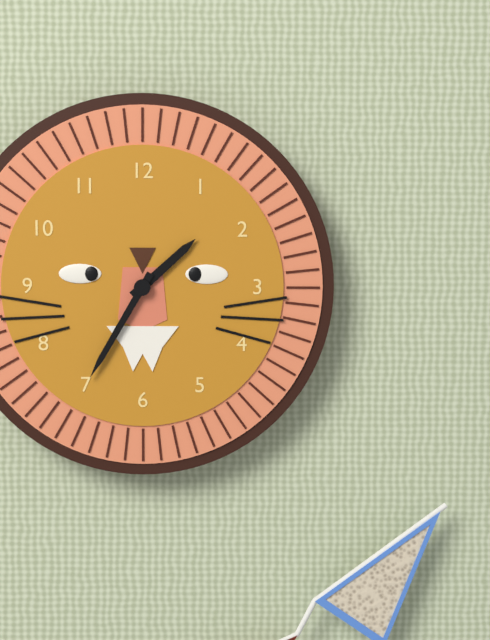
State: 1h35
